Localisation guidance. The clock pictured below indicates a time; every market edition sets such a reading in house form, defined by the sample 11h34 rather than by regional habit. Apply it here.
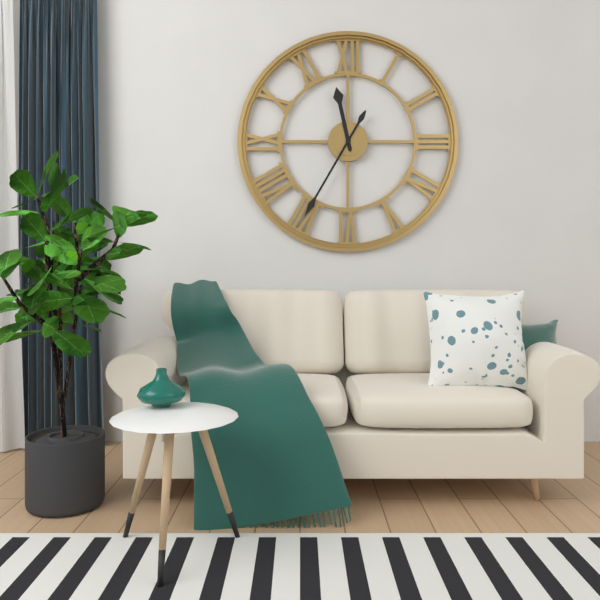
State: 11h35
